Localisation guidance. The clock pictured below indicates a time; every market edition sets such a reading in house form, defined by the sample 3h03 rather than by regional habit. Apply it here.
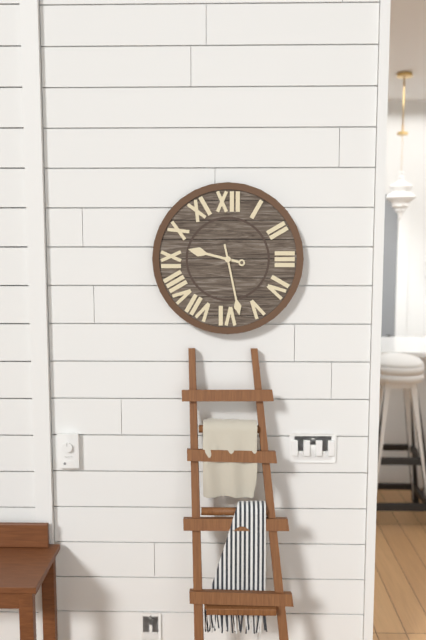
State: 9h28
